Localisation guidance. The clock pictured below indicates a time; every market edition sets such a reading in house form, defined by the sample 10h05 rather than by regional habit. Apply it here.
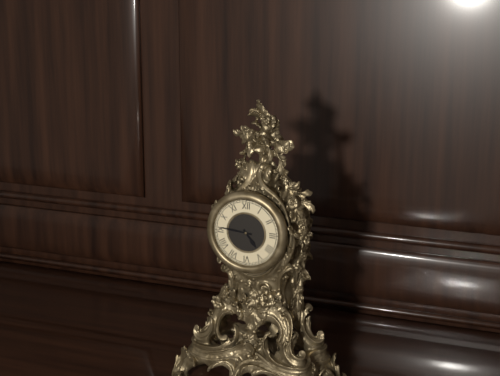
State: 4h46
